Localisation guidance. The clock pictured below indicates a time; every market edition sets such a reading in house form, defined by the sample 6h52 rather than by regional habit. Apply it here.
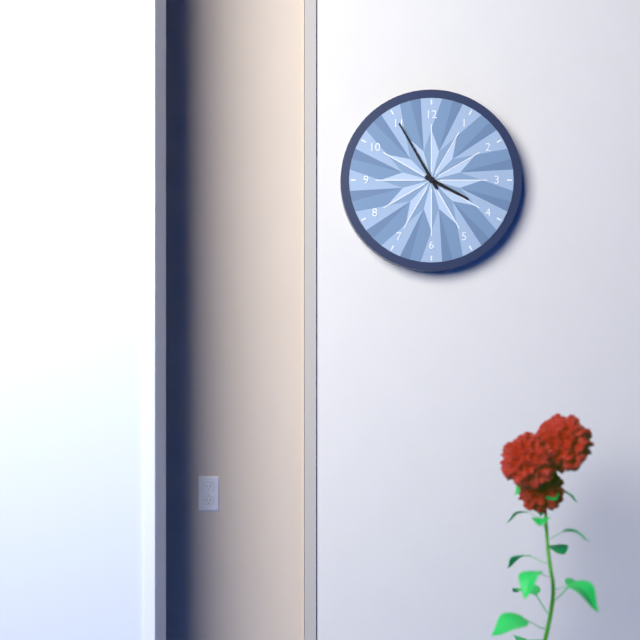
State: 3h55
